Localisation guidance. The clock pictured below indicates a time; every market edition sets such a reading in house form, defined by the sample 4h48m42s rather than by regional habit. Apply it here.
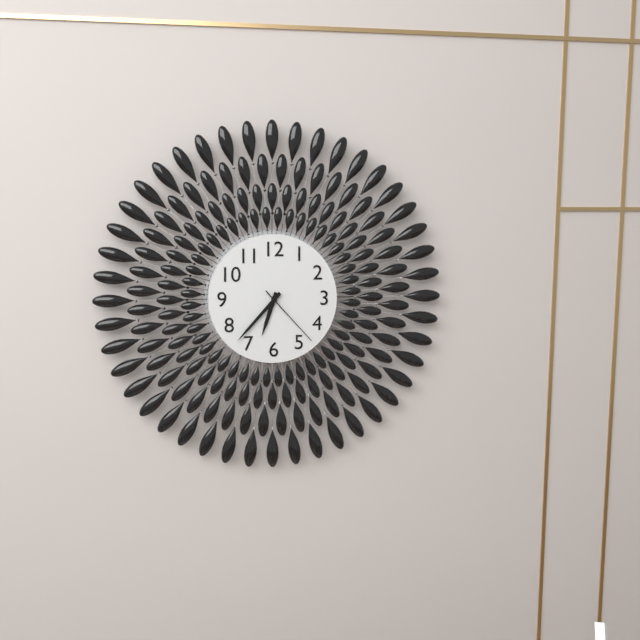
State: 6h37m23s
